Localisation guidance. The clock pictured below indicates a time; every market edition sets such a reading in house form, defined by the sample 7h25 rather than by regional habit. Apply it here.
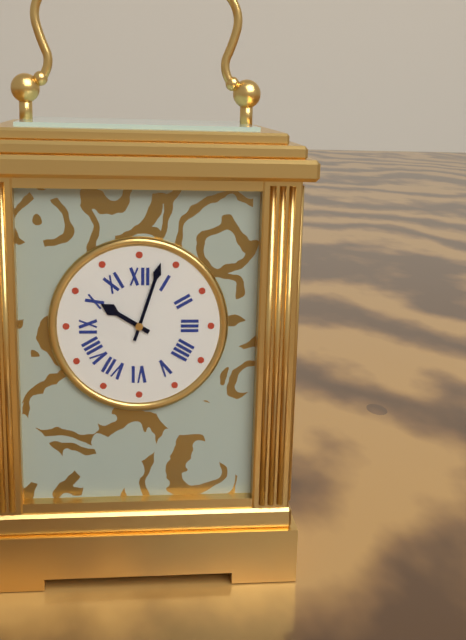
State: 10h03
